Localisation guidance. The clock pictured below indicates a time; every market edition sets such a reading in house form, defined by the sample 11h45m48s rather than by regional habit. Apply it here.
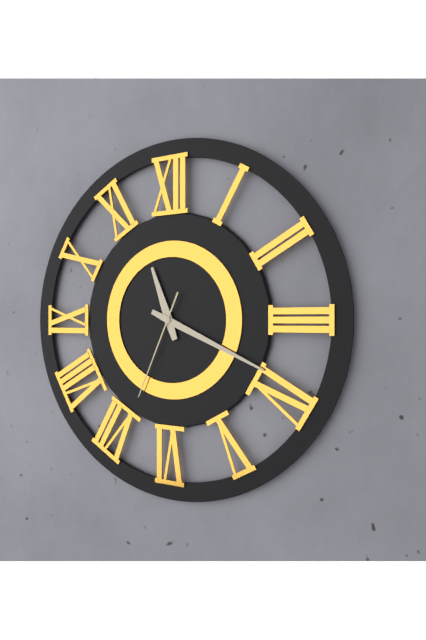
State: 11h19m34s
